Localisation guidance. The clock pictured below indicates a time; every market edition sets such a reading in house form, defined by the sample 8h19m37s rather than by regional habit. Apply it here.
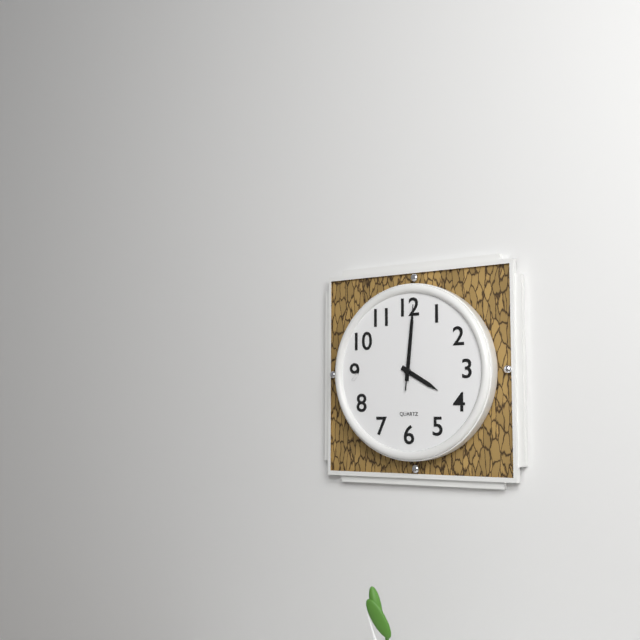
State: 4h01m01s
